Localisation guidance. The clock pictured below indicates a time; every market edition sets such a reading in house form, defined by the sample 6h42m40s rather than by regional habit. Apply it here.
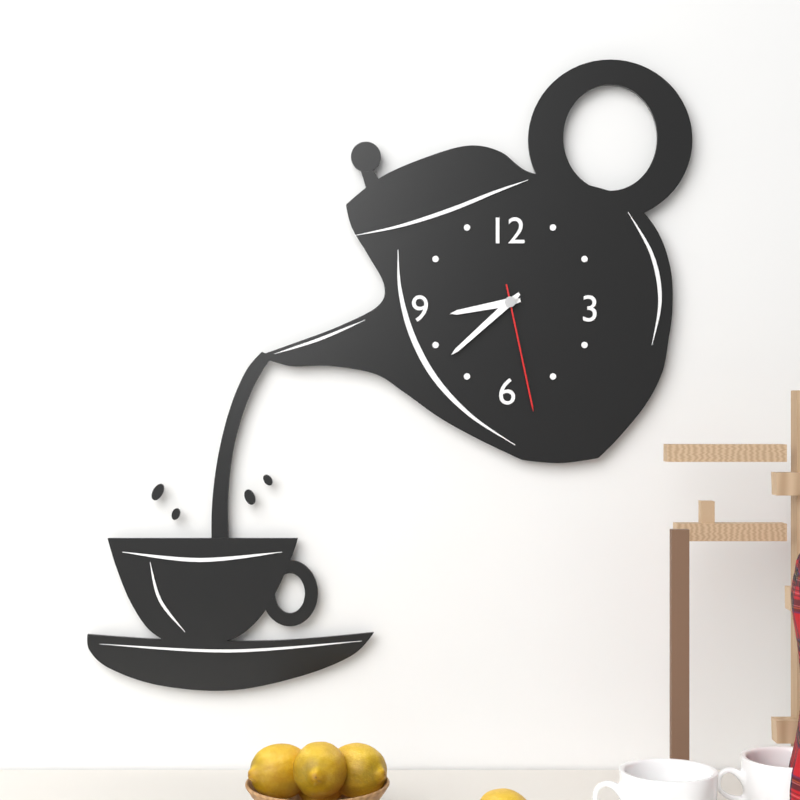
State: 8h38m28s
